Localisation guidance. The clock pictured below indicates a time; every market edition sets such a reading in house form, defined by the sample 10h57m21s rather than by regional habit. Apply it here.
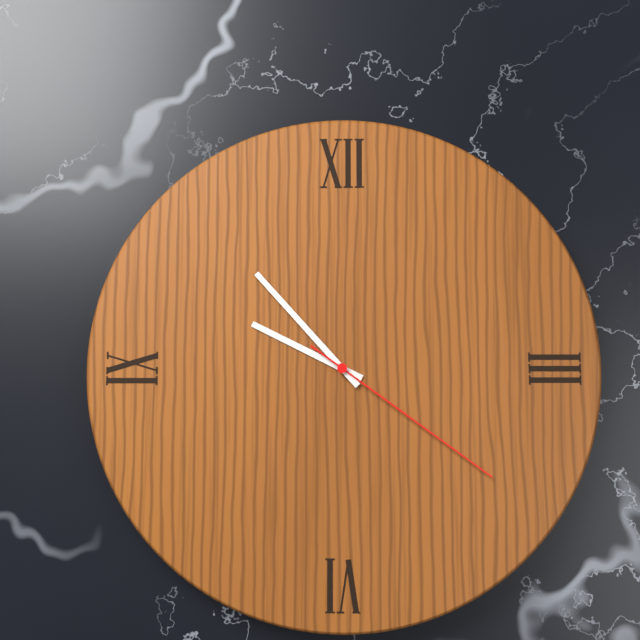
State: 9h53m21s
